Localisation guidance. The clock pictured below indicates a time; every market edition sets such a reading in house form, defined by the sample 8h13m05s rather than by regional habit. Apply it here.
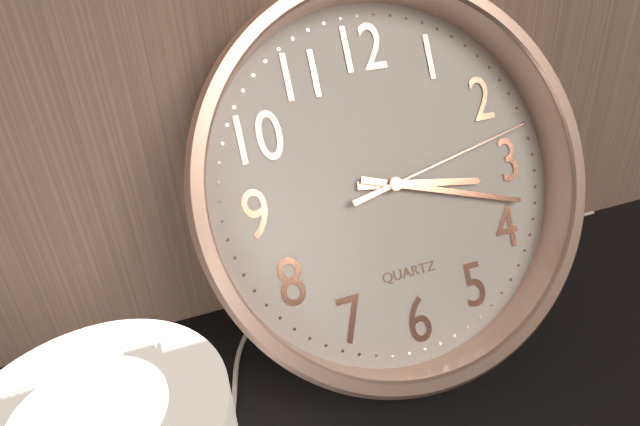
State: 3h18m13s
